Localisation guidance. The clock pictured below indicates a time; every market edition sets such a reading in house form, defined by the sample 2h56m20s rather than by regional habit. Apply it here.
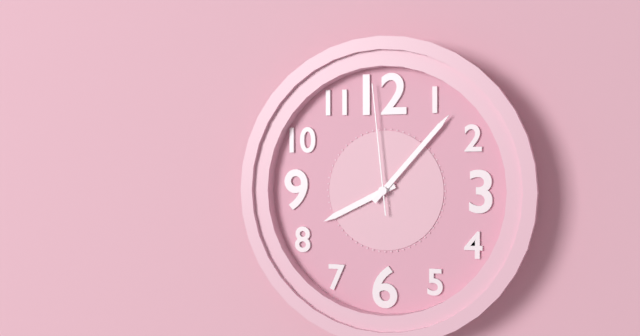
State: 8h07m59s
